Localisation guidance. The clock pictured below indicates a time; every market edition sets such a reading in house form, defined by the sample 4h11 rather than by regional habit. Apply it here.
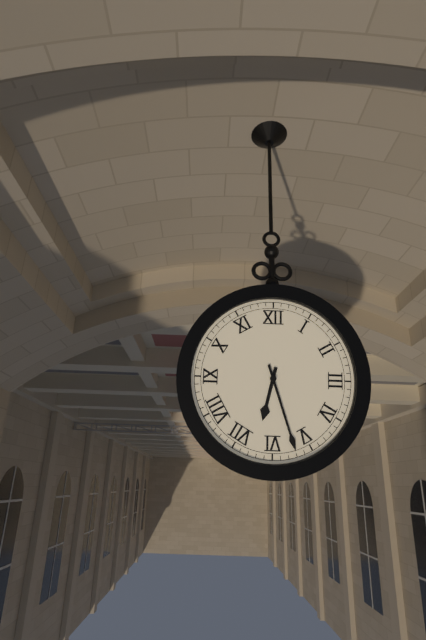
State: 6h27
